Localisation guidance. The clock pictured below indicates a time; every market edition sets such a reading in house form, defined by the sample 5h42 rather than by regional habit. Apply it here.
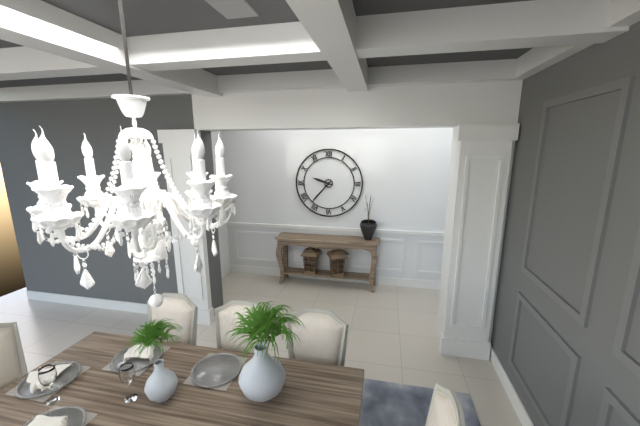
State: 9h37
